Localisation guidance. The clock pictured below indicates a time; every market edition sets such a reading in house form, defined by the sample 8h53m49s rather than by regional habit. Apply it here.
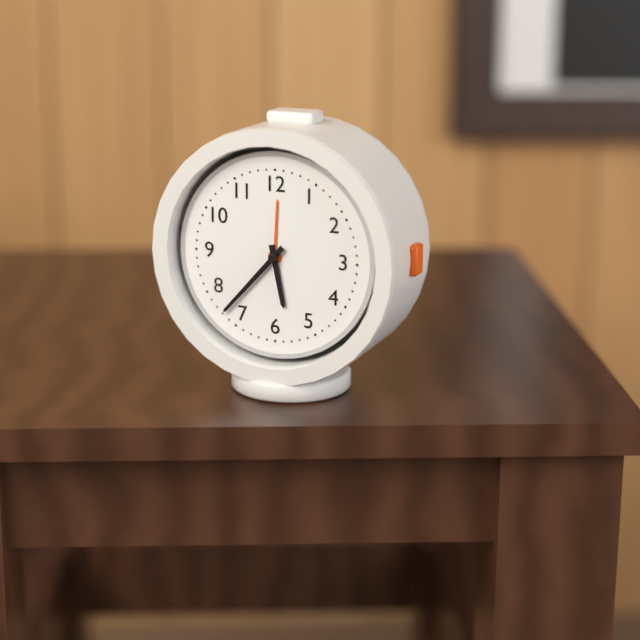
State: 5h37m37s
